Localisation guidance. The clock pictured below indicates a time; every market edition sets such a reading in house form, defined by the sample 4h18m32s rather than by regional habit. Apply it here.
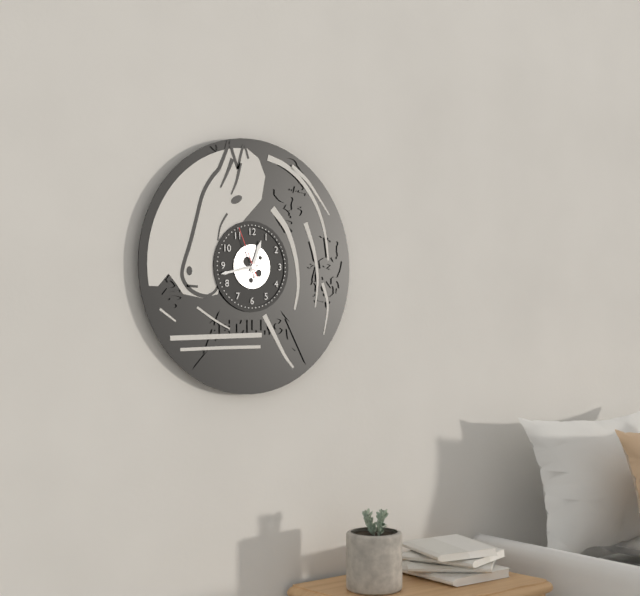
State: 12h43m56s
